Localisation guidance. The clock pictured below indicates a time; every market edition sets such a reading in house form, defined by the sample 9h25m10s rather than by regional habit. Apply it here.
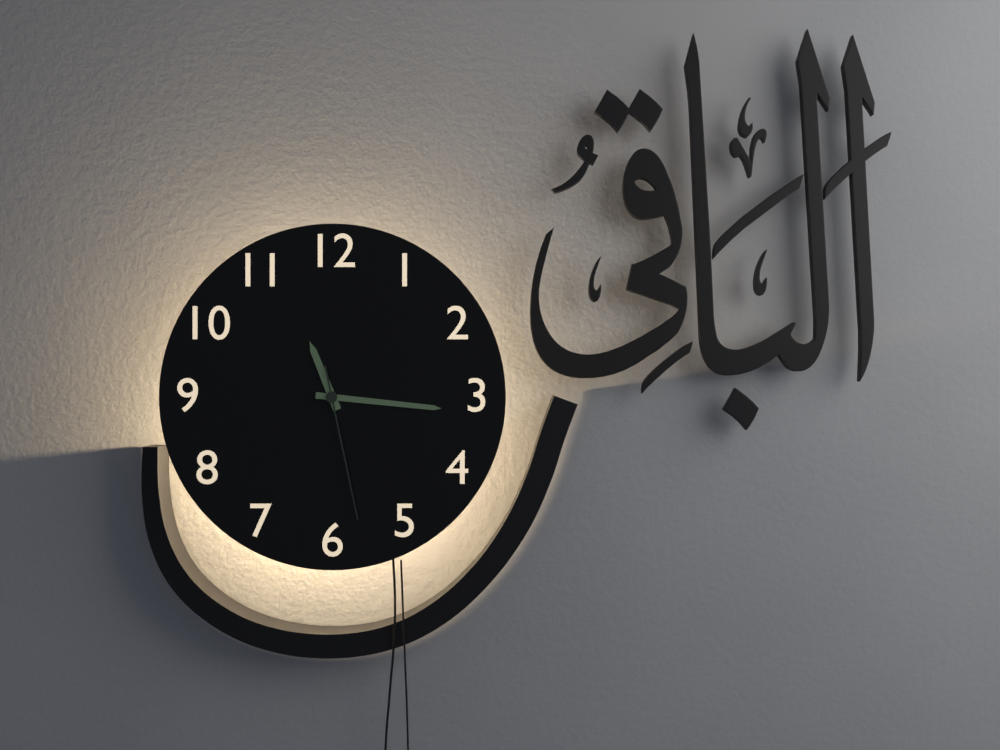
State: 11h16m28s
